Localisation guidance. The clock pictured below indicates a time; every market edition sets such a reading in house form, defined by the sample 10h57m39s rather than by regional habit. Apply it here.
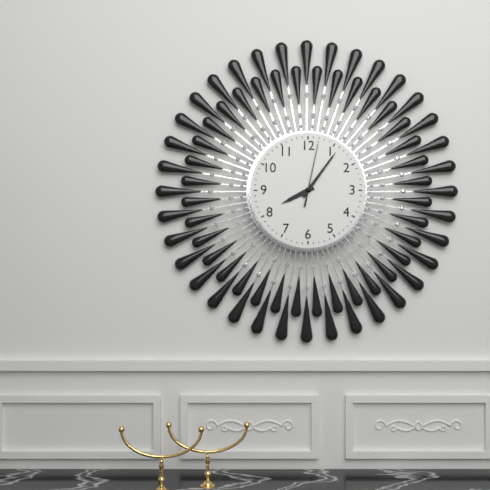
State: 8h06m02s
